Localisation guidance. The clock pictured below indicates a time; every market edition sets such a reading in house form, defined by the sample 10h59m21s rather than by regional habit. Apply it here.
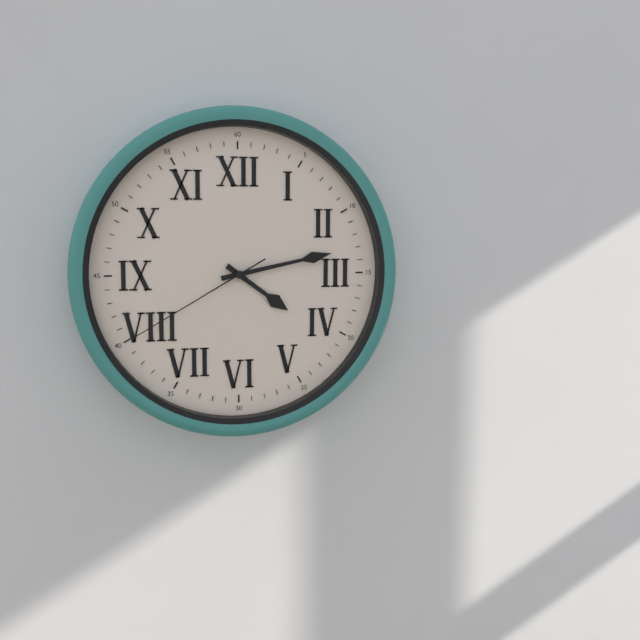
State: 4h13m40s
